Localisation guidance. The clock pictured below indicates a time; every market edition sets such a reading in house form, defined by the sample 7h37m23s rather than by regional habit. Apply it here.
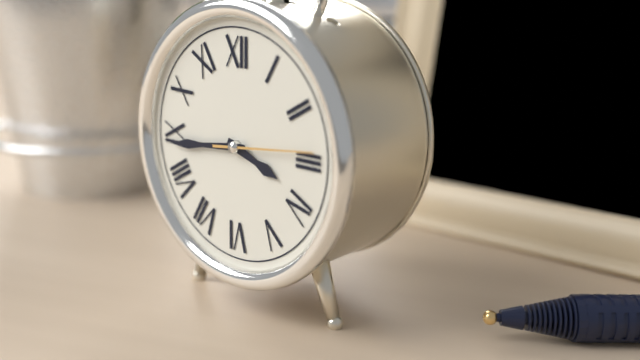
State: 3h44m14s
